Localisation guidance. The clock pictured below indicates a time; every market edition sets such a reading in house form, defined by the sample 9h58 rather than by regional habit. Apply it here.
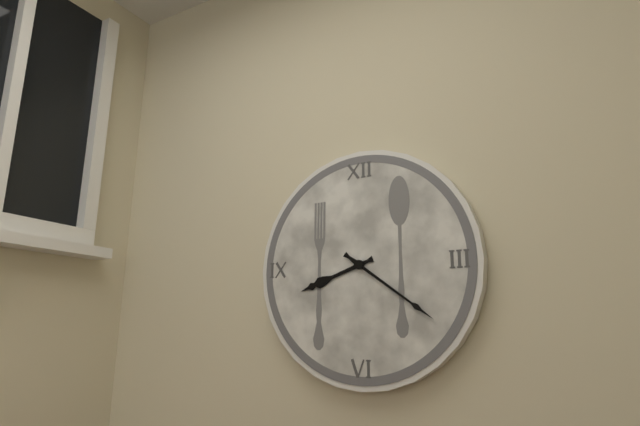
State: 8h21
